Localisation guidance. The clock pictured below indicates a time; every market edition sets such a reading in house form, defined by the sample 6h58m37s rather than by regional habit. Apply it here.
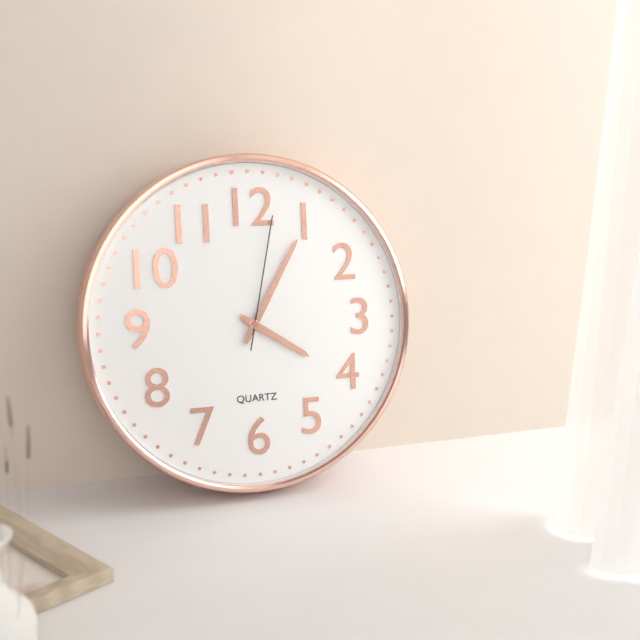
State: 4h05m02s
